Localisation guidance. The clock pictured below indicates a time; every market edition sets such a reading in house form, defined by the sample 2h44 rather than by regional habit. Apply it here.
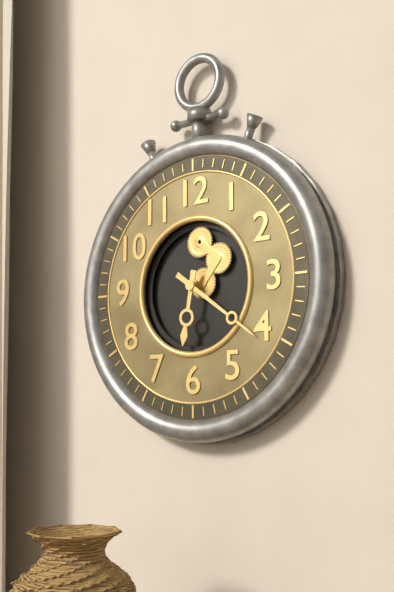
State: 6h21
